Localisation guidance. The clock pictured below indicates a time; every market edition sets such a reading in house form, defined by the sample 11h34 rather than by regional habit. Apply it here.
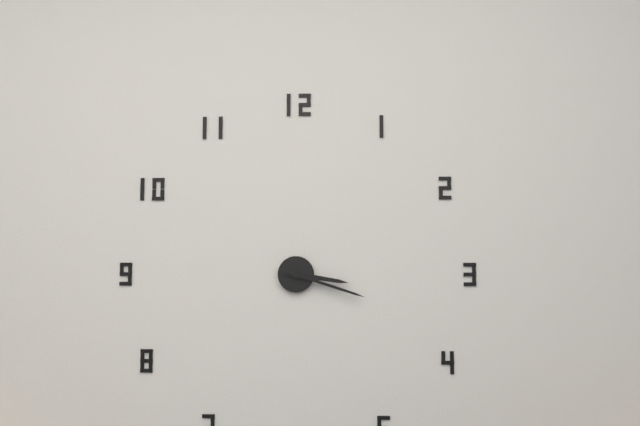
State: 3h18
